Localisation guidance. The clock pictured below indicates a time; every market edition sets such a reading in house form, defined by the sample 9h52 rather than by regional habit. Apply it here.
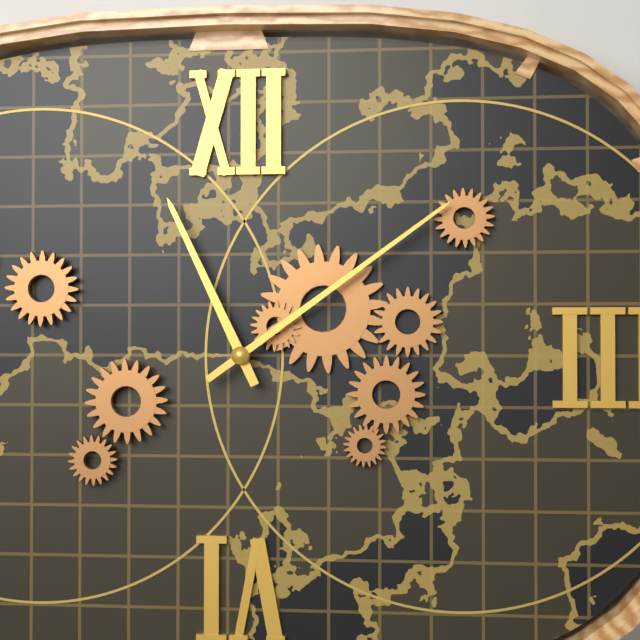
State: 11h09
